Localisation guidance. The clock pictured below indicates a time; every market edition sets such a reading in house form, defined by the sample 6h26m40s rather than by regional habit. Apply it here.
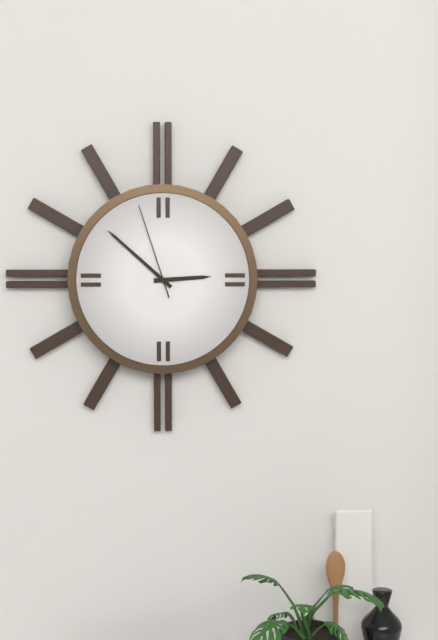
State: 2h52m57s
